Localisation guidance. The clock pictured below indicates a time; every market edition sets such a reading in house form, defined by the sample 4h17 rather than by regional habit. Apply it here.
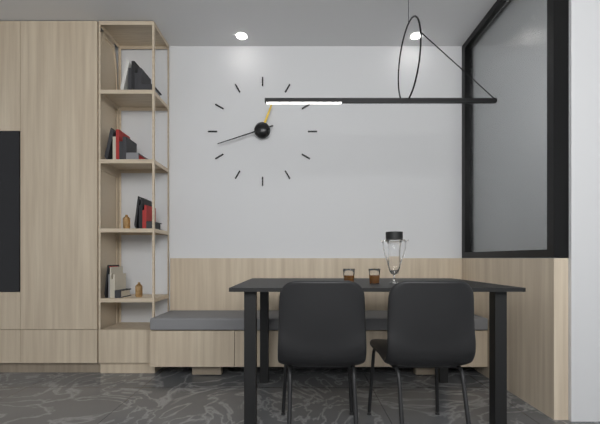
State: 12h42
